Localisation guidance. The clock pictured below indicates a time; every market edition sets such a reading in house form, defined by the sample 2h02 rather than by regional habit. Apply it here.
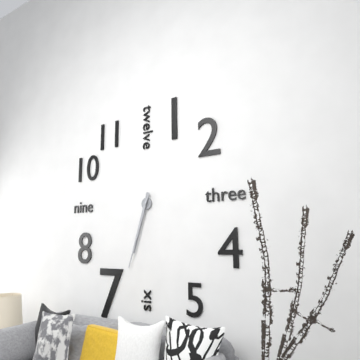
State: 6h33
